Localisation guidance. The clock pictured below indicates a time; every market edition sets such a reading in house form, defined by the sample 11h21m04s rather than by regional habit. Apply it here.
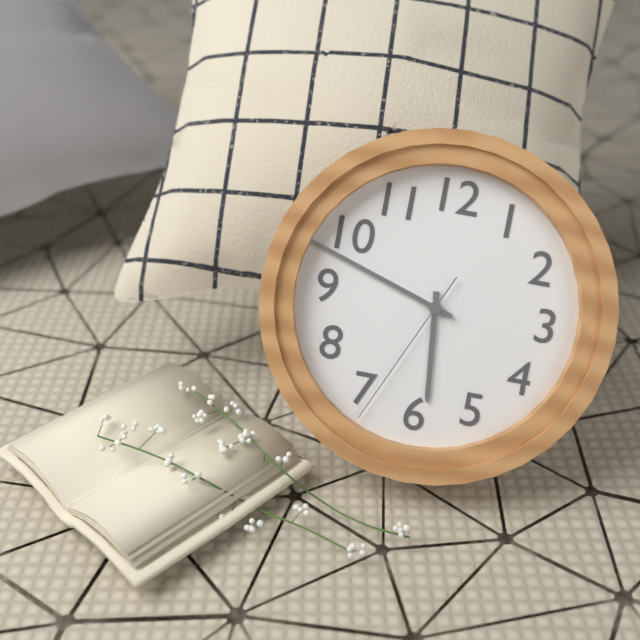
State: 5h48m34s
